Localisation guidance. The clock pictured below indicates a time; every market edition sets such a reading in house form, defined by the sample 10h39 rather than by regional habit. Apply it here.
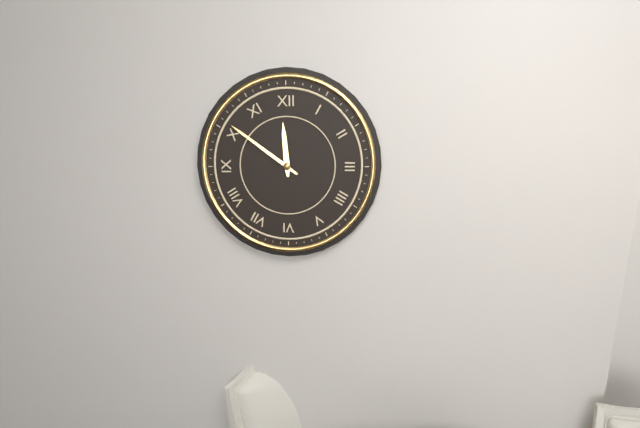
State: 11h51
